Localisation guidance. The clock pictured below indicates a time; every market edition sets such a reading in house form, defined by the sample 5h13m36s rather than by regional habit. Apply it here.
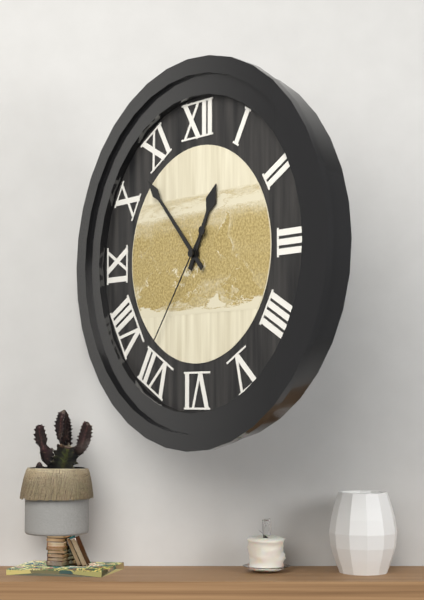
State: 12h53m36s
